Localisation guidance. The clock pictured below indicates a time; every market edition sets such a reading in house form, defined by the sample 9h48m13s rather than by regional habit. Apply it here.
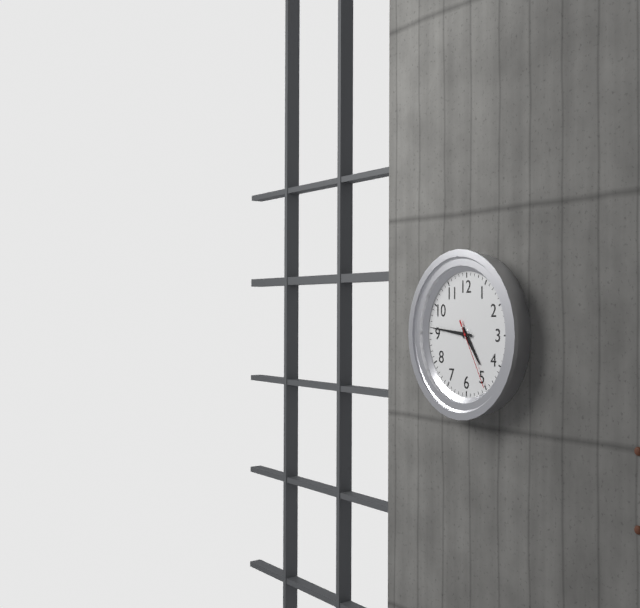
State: 4h46m25s
